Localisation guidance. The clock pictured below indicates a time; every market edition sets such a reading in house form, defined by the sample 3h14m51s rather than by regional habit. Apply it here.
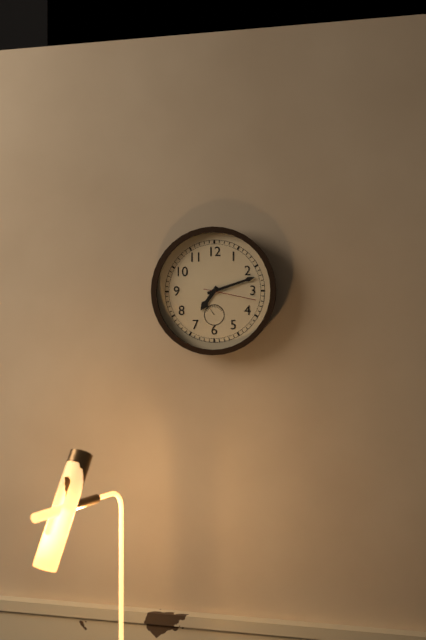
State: 7h12m17s
